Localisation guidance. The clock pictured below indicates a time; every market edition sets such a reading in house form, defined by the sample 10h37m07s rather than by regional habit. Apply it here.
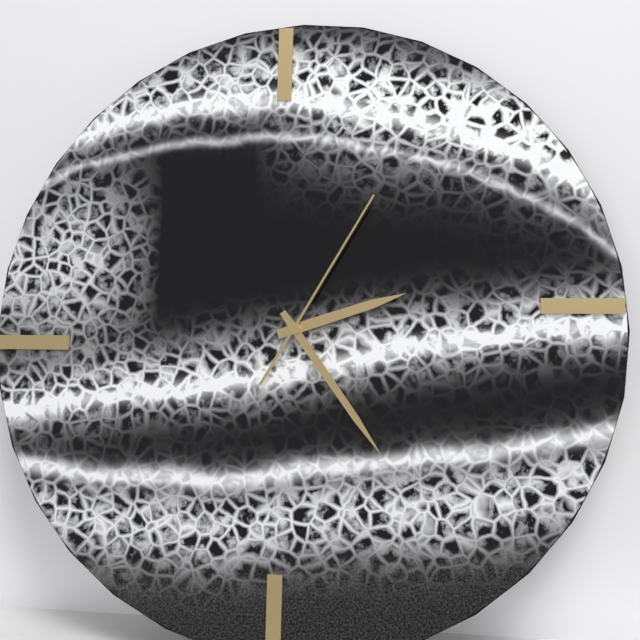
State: 2h24m05s
